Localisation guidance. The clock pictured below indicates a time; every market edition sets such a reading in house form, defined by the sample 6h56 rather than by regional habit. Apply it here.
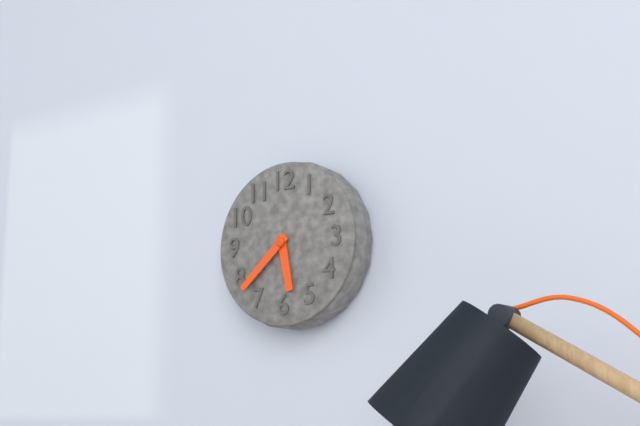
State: 5h38
